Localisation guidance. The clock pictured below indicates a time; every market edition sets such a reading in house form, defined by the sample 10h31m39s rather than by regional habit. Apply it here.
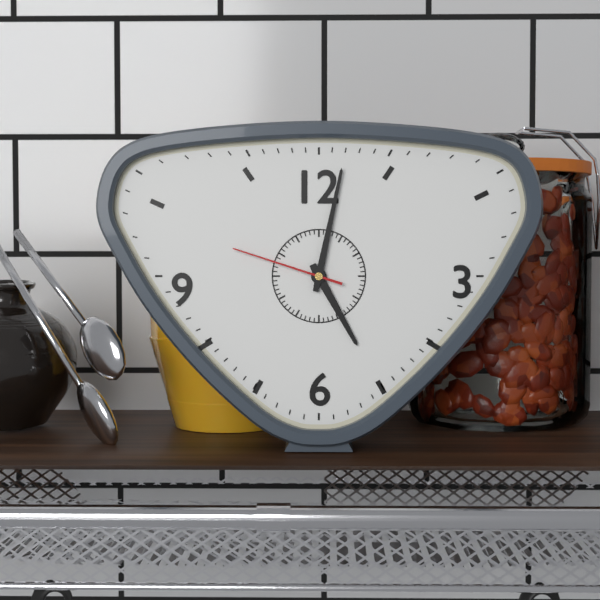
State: 5h02m48s
